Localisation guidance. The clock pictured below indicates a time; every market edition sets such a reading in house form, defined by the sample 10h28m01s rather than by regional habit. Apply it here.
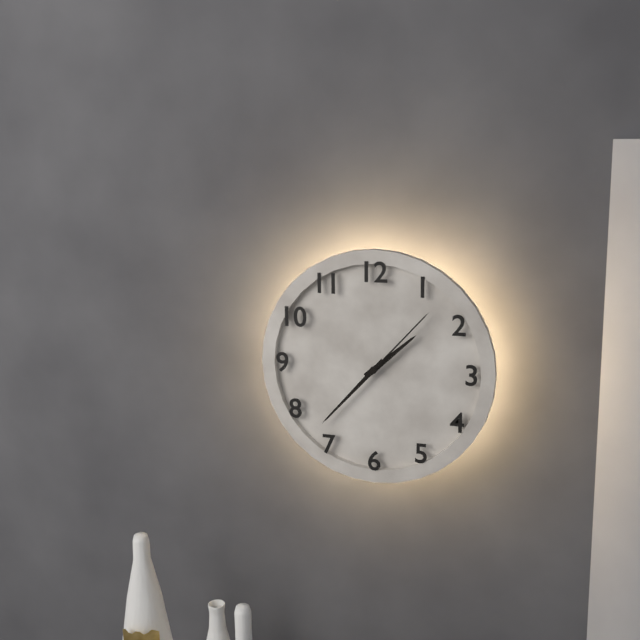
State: 1h37m07s
